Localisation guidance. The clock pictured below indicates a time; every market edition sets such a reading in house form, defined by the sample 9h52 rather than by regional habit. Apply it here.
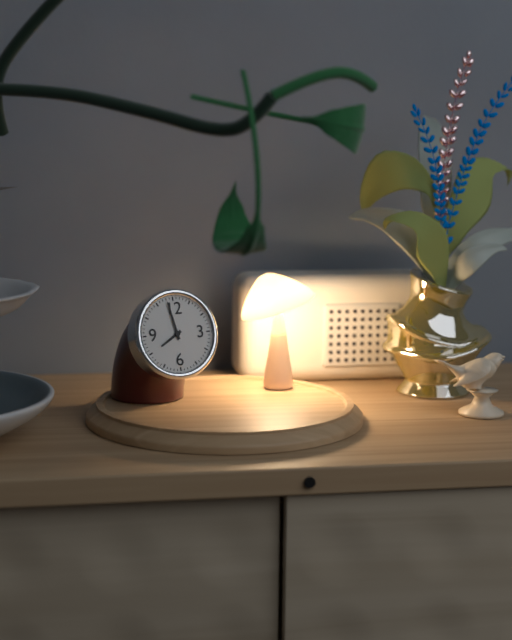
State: 7h58
